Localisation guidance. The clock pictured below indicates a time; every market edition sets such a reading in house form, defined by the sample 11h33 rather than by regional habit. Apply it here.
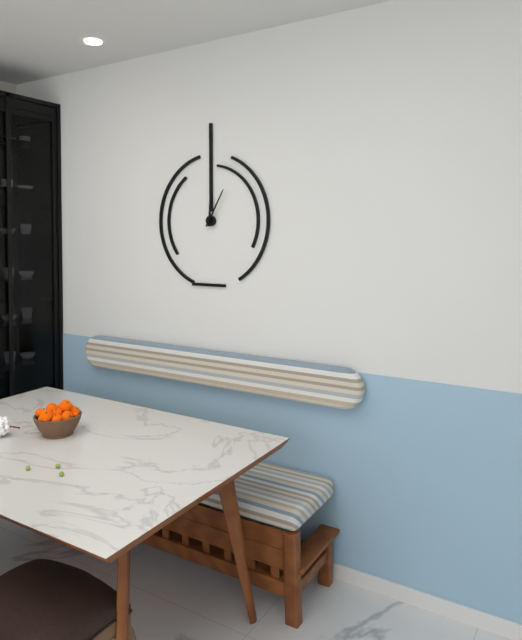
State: 12h05
